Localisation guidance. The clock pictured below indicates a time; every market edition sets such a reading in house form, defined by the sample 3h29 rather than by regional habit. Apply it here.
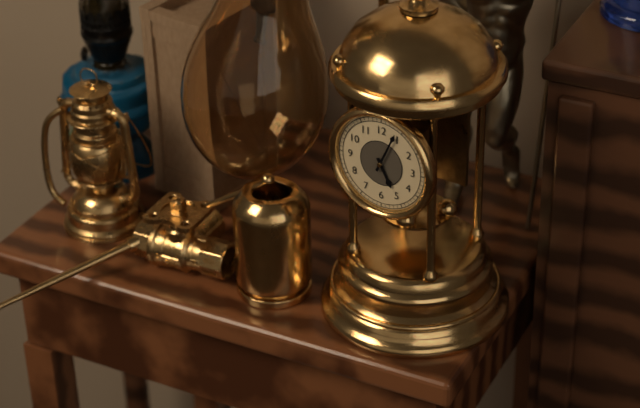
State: 5h04
